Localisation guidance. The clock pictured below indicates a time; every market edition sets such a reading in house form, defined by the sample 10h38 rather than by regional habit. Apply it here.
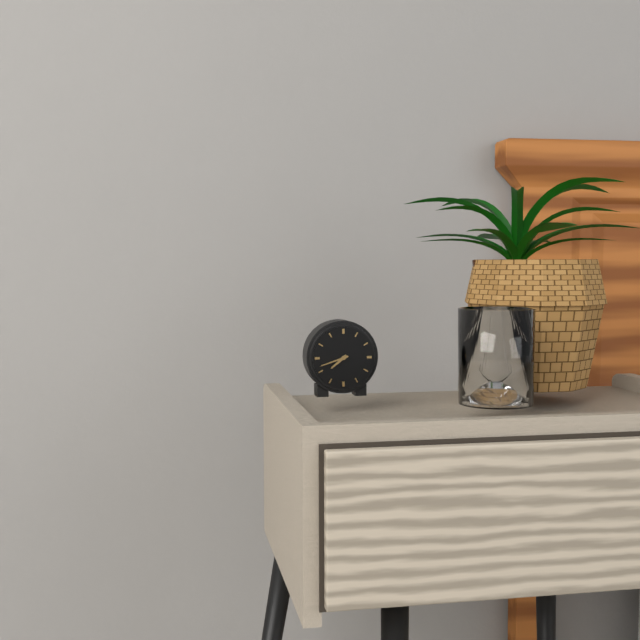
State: 7h42
